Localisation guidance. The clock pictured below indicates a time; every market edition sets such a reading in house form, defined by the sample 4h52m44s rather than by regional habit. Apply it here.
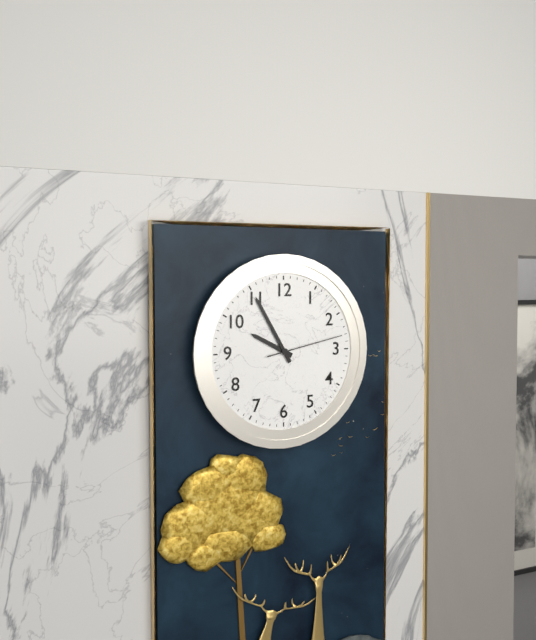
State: 9h55m13s
